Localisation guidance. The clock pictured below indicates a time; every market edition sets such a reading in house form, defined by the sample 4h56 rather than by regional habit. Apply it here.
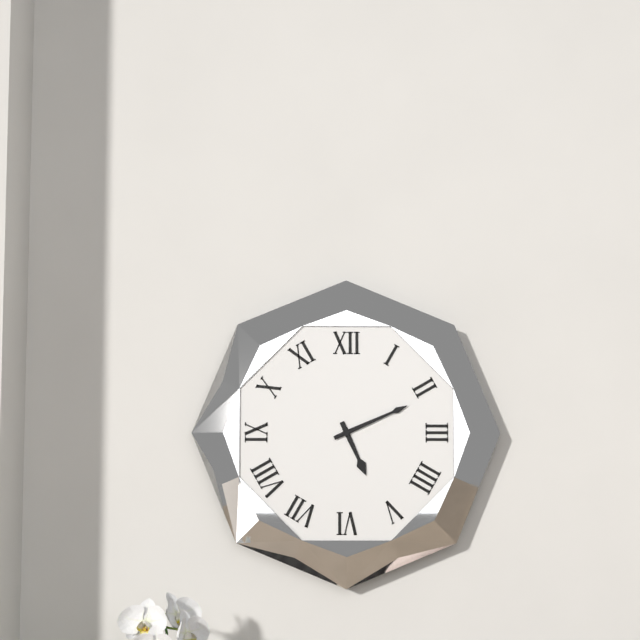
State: 5h11
